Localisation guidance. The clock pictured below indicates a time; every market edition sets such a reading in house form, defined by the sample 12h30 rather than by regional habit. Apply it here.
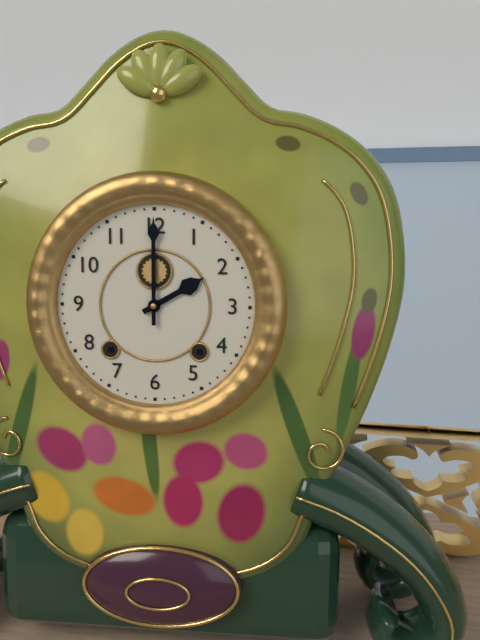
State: 2h00
